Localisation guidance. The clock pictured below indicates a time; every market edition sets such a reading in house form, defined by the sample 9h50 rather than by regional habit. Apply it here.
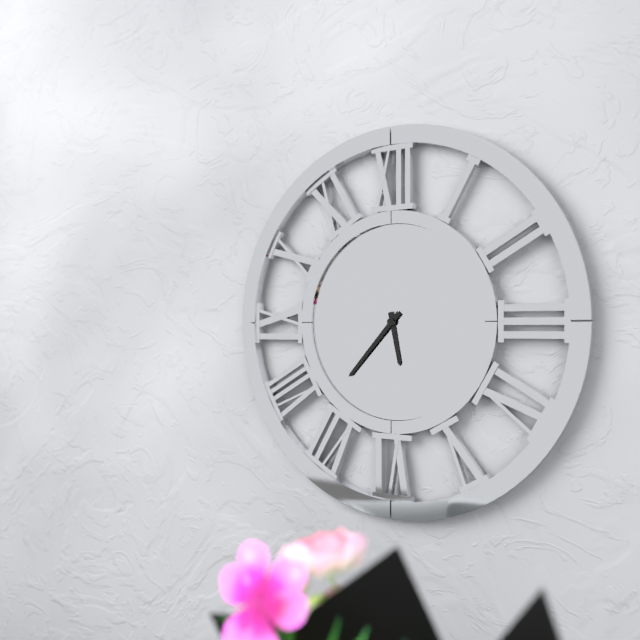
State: 5h37
